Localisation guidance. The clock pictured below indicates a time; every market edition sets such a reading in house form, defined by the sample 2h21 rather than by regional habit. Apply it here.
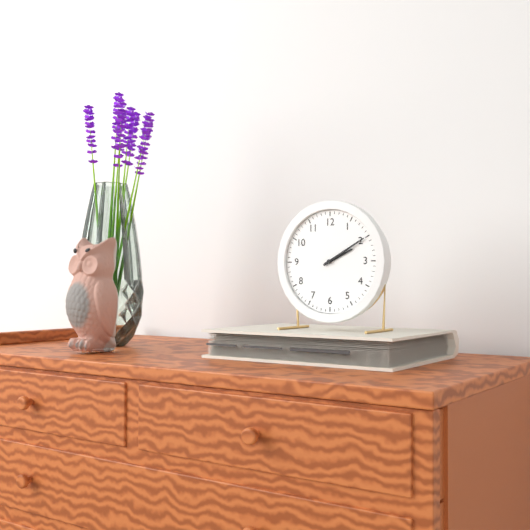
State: 2h10
